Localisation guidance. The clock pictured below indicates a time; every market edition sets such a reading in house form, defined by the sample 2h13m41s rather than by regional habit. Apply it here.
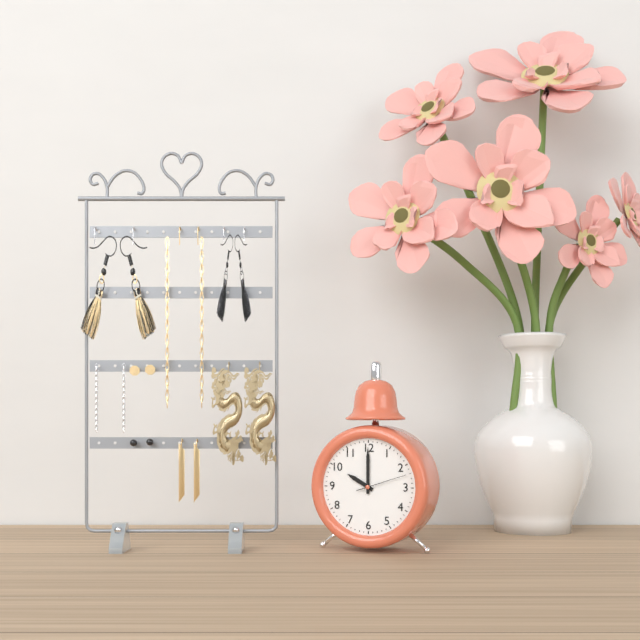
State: 10h00m12s
